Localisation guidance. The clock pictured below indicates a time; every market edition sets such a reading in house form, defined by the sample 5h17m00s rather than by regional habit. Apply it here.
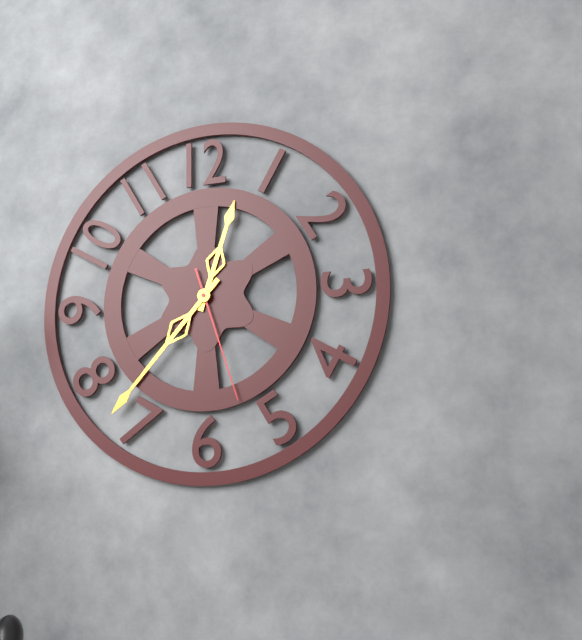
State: 12h37m27s
